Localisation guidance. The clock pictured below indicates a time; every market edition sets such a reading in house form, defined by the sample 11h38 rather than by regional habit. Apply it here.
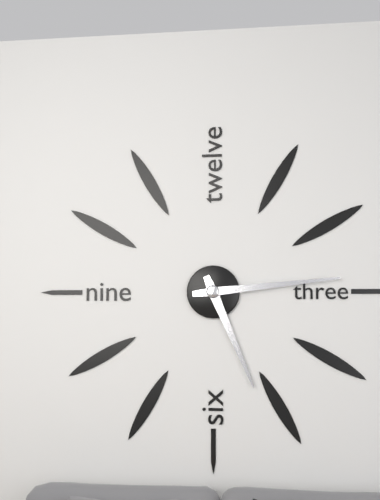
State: 5h14
